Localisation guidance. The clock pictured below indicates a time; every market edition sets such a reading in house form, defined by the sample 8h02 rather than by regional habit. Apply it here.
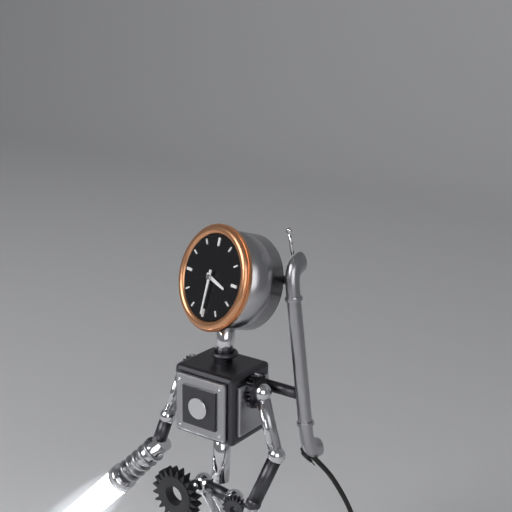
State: 3h30
